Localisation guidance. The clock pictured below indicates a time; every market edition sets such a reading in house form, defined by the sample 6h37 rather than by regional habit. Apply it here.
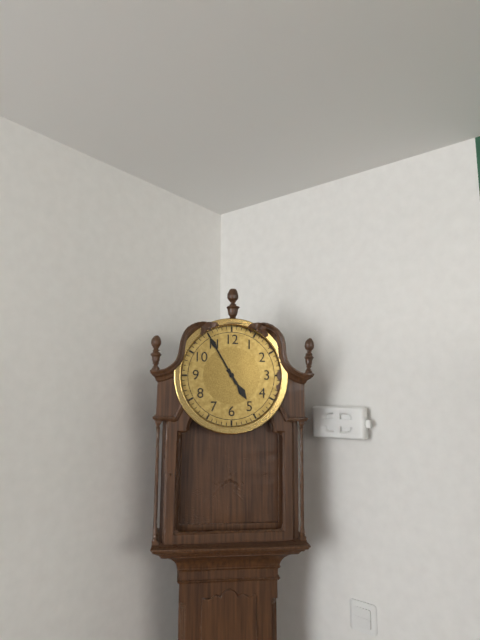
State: 4h55
